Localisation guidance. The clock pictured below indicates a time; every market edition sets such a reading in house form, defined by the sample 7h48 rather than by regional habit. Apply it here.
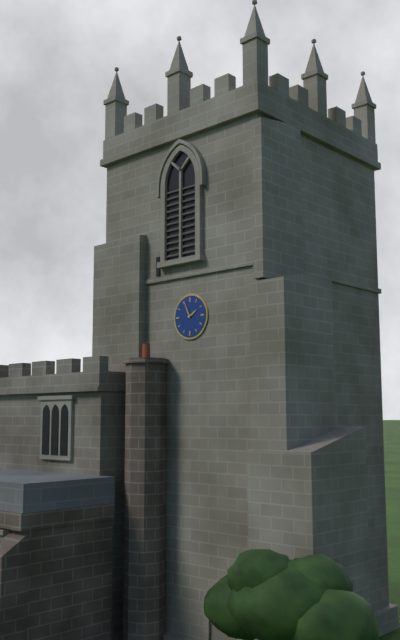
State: 1h56
